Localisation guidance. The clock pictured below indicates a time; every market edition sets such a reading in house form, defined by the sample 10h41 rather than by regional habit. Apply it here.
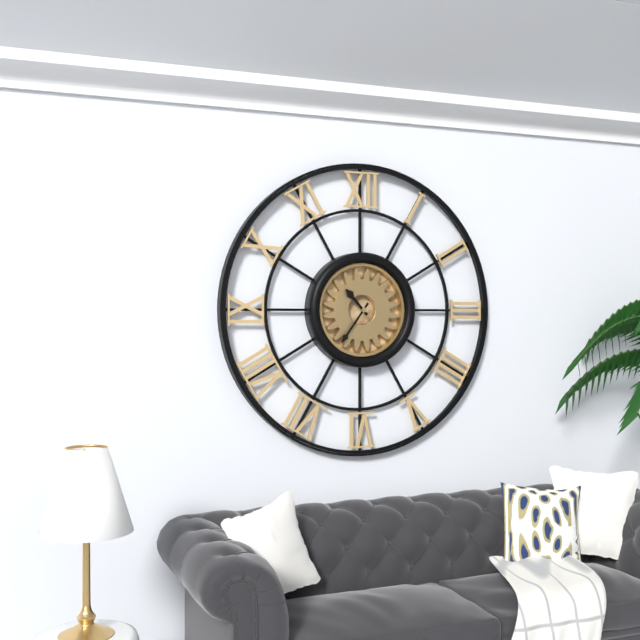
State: 10h36
